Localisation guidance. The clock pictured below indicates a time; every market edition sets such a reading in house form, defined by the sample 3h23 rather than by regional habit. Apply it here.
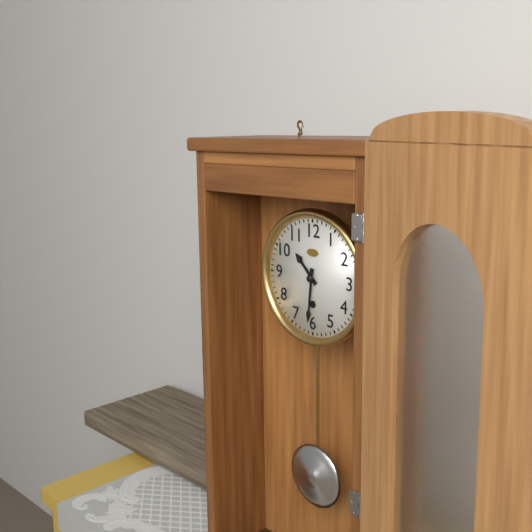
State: 10h31
